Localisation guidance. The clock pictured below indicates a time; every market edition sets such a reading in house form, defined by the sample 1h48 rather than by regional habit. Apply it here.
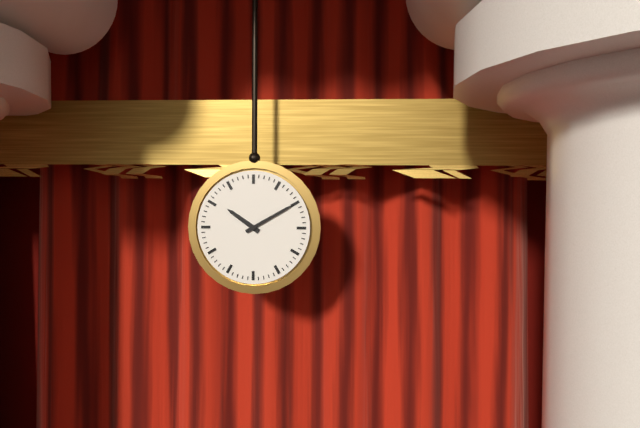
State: 10h10
